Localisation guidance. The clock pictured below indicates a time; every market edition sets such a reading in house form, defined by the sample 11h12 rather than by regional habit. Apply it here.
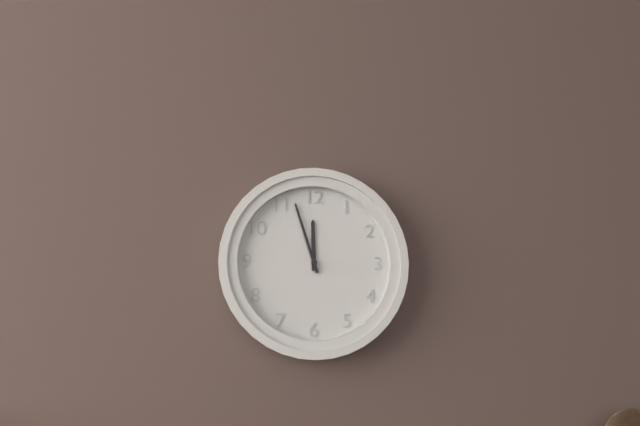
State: 11h57
